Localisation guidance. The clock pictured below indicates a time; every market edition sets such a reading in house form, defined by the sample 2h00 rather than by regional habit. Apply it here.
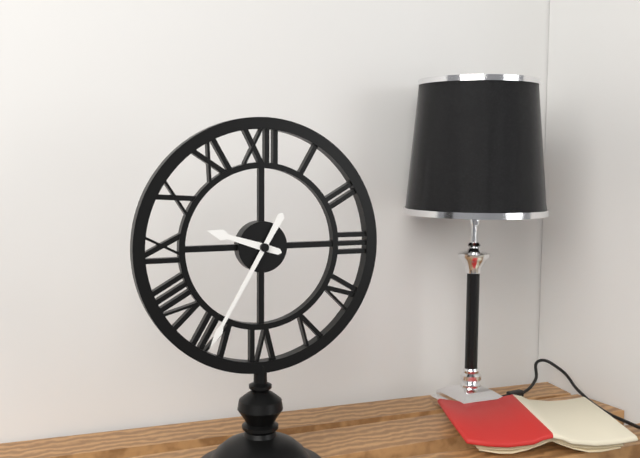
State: 9h35
